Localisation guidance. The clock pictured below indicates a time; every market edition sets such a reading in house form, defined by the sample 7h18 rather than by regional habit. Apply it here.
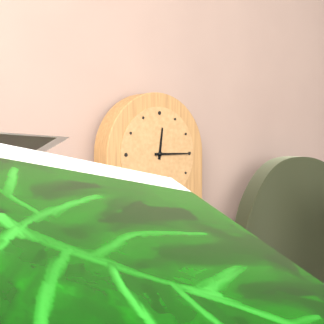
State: 12h15
